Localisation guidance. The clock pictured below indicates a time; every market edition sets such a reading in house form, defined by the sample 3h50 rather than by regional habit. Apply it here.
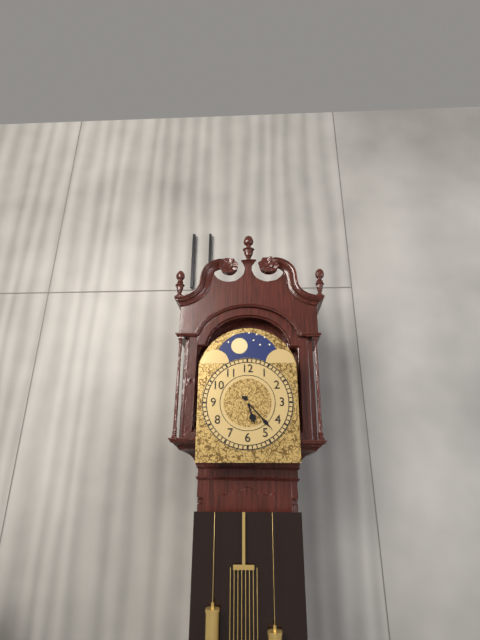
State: 5h23
